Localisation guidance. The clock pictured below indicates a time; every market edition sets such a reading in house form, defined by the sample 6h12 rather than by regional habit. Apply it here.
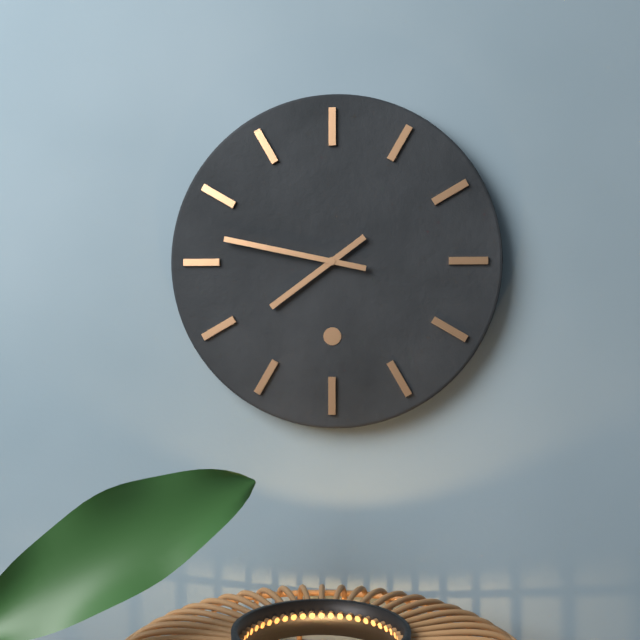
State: 7h47
